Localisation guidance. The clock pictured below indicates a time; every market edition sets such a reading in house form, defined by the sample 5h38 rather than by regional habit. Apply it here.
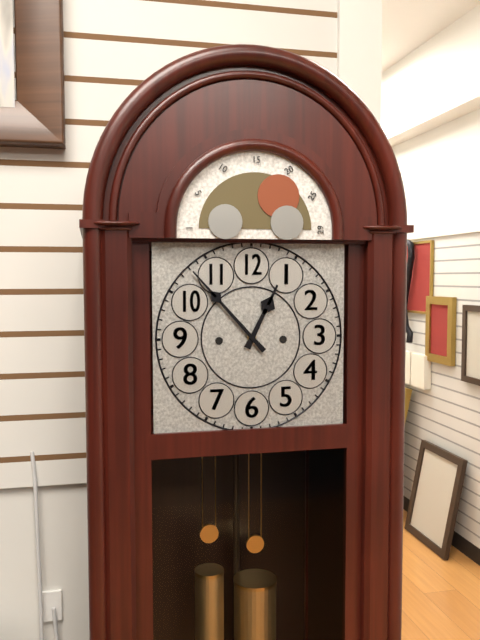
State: 12h53
